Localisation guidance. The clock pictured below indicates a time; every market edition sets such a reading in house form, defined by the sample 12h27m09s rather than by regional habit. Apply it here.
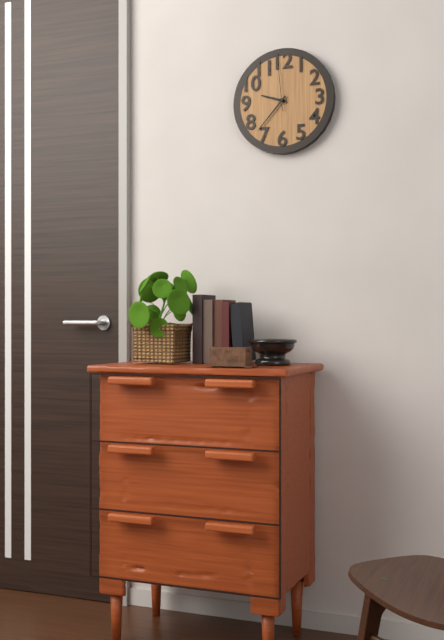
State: 9h37m59s
